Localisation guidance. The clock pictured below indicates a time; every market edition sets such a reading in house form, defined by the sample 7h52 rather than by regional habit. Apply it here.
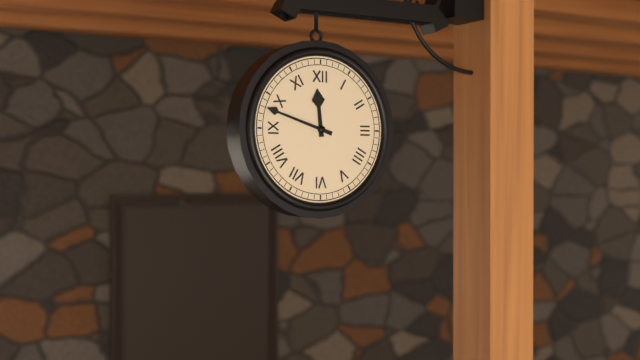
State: 11h48
